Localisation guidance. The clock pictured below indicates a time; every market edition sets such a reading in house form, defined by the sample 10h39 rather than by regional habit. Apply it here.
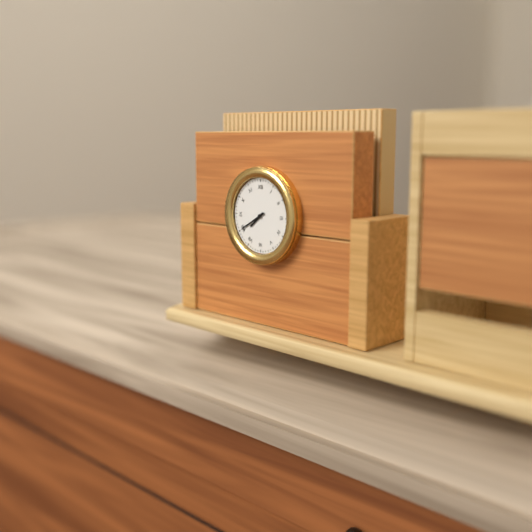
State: 7h40
